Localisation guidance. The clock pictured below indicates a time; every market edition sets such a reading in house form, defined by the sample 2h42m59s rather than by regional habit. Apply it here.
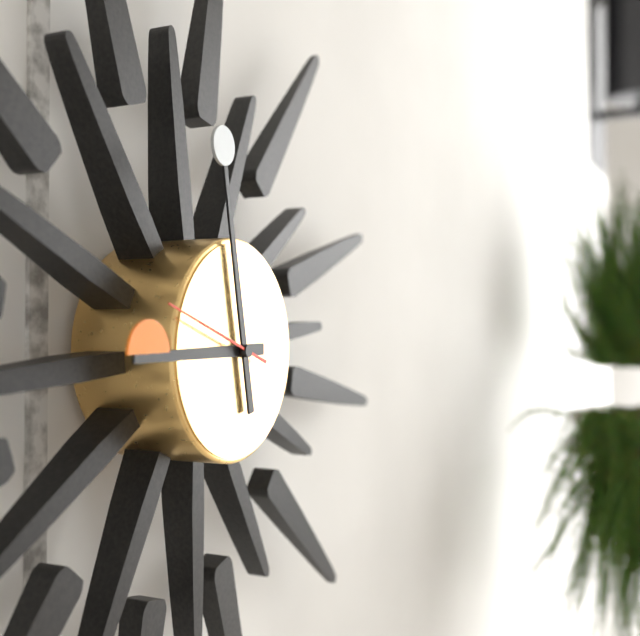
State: 8h58m48s
